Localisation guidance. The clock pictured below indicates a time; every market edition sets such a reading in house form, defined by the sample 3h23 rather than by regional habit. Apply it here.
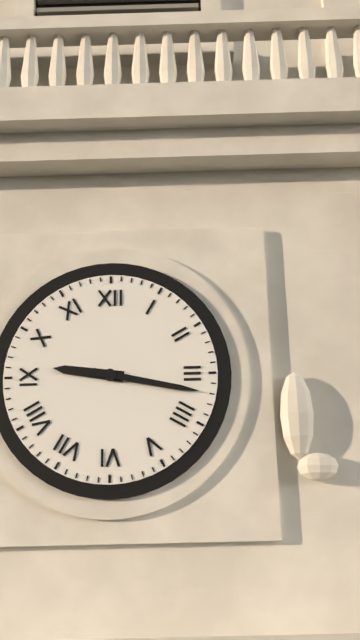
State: 9h17
